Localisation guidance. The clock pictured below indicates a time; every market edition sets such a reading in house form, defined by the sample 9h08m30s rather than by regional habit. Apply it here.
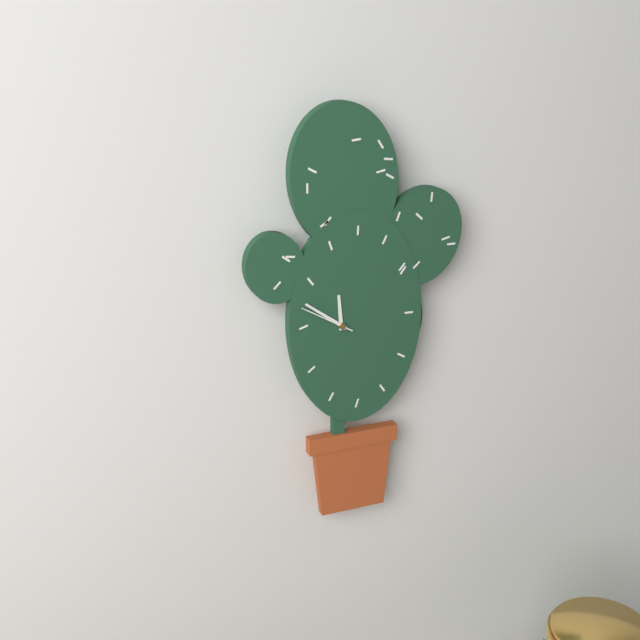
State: 11h51m50s
